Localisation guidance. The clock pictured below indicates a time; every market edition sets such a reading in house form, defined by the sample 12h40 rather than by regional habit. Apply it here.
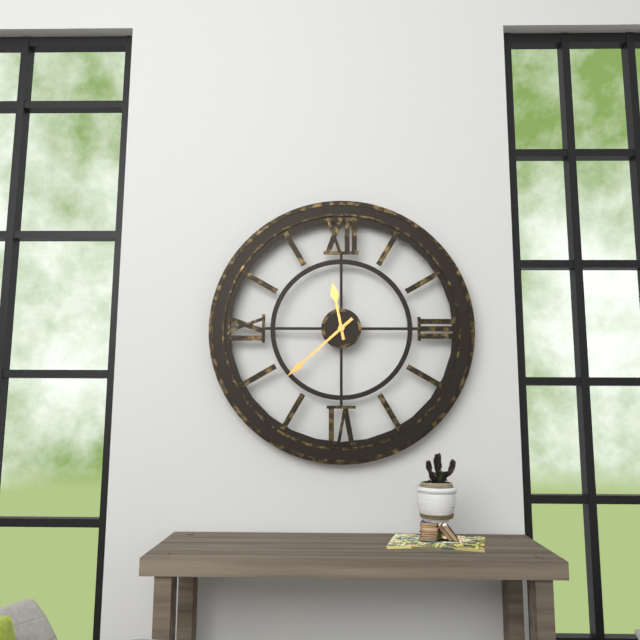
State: 11h38
